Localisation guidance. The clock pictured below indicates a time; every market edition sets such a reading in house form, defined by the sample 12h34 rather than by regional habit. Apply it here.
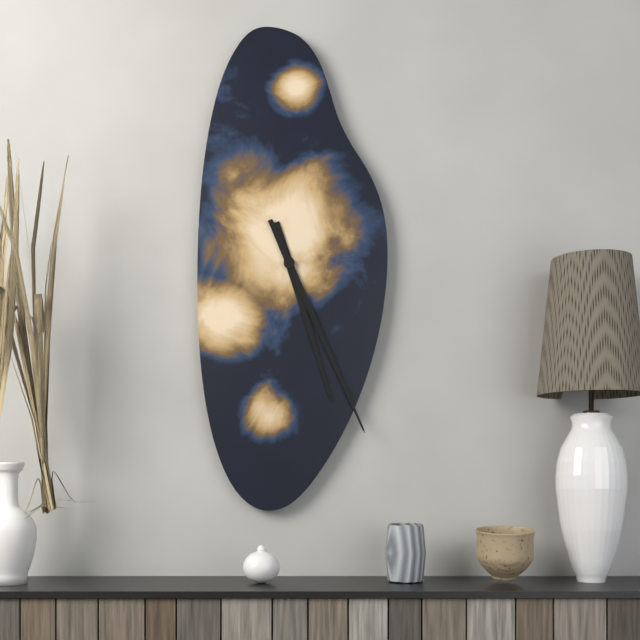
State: 5h26
